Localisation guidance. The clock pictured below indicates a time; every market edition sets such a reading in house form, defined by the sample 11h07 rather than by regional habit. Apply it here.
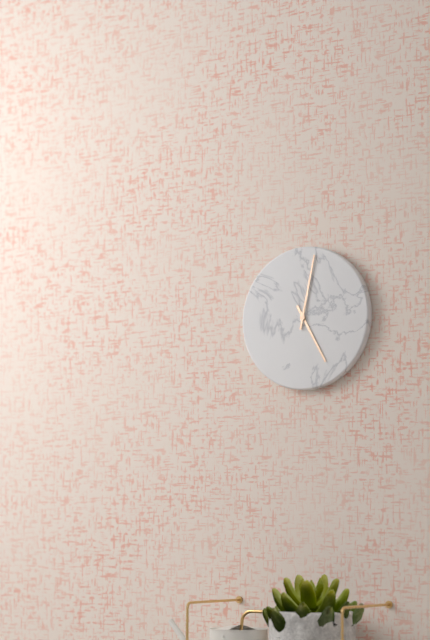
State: 5h02
